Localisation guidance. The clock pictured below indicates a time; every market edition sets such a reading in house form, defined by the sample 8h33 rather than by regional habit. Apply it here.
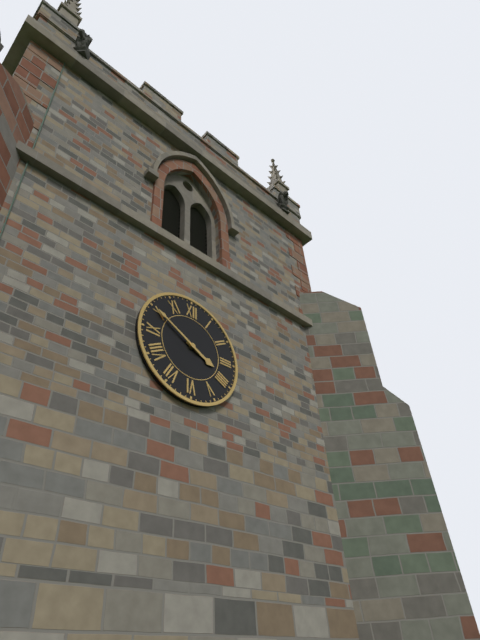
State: 3h50
